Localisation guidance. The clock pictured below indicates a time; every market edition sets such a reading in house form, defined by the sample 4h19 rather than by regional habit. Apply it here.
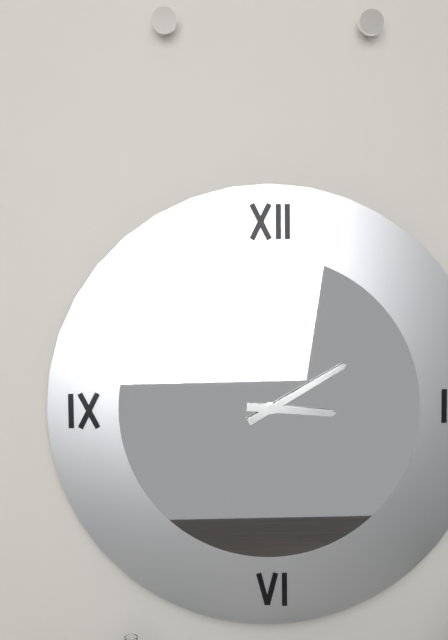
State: 3h10
